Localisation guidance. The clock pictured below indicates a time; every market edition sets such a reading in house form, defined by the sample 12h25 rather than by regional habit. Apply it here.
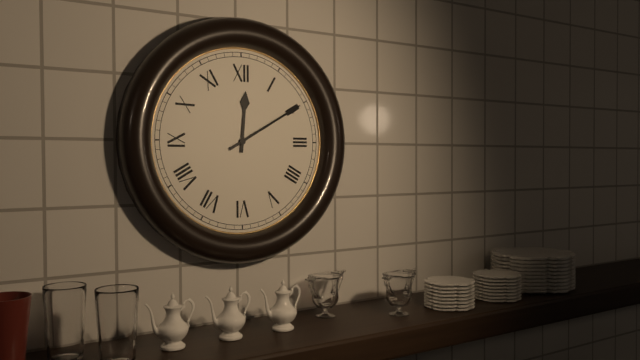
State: 12h10
